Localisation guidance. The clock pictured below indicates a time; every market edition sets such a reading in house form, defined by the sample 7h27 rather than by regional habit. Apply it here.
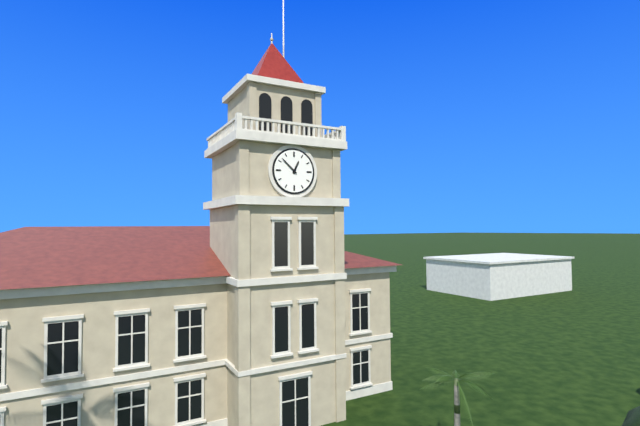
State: 12h52
